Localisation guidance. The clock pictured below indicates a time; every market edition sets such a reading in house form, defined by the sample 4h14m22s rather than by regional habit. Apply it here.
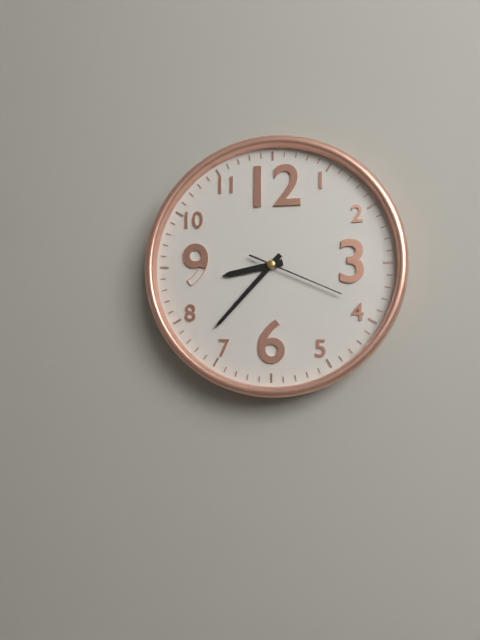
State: 8h37m19s
